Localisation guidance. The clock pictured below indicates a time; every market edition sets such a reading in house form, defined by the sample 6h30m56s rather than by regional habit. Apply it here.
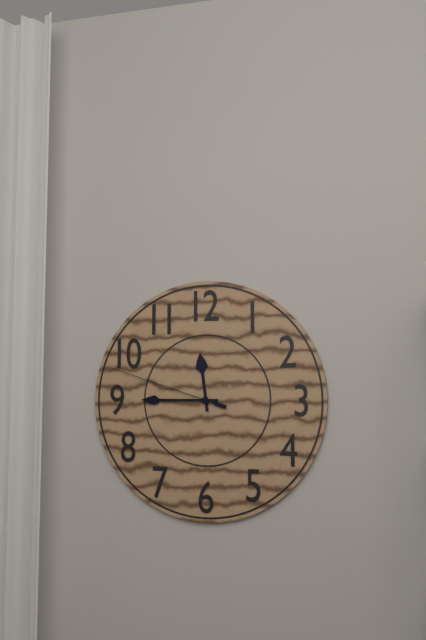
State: 11h45m48s
